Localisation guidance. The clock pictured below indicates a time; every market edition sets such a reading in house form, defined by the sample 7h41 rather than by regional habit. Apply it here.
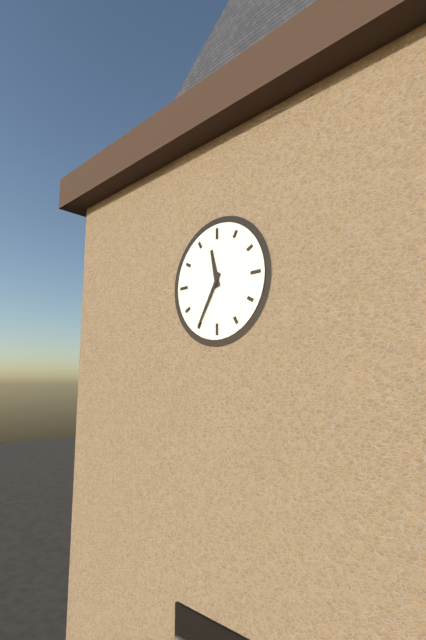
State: 11h35
